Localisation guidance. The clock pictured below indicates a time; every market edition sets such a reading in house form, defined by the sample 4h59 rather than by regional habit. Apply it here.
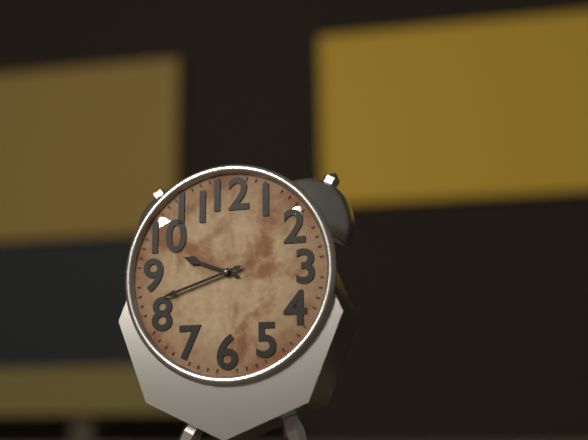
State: 9h42
